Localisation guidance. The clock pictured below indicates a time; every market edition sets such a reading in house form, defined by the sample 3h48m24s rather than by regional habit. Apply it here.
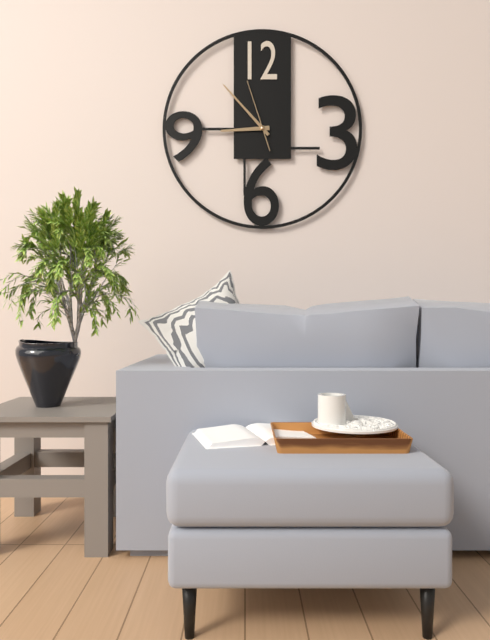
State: 8h53m57s
